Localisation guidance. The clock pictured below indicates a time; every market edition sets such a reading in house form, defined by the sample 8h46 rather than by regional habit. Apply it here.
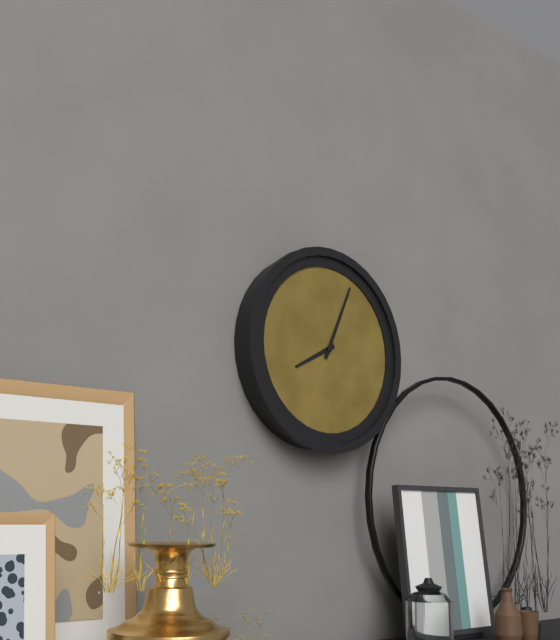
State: 8h04
